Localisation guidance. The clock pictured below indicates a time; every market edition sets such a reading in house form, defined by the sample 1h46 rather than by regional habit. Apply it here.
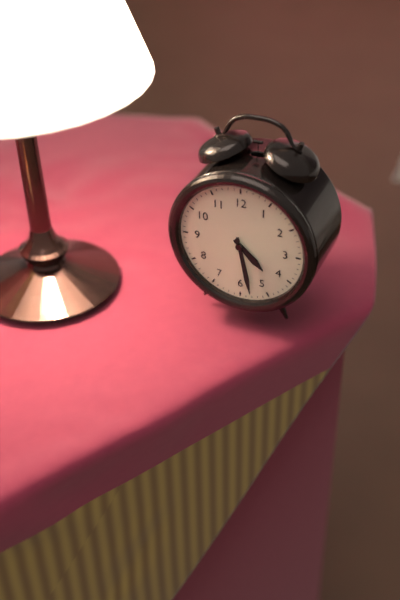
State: 4h28
